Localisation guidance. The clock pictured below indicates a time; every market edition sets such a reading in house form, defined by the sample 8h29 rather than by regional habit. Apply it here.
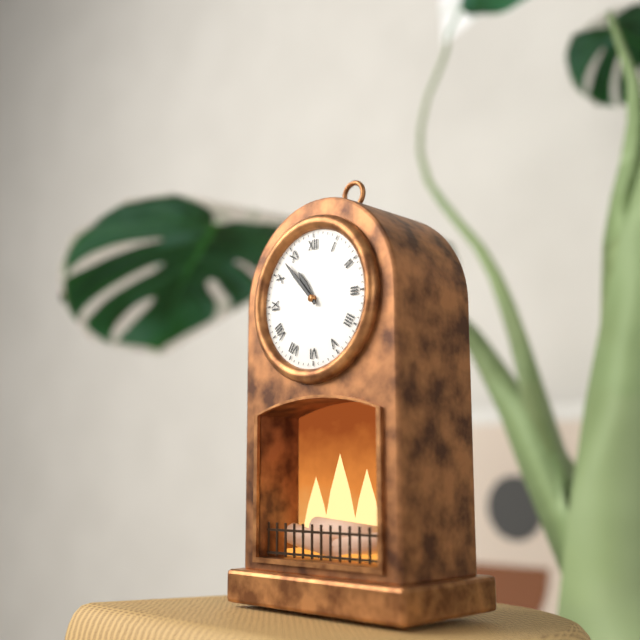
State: 10h53
